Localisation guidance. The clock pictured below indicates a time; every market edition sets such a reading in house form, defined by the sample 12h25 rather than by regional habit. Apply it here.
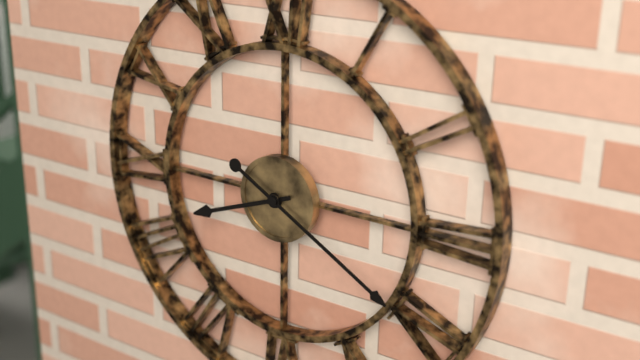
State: 8h20
